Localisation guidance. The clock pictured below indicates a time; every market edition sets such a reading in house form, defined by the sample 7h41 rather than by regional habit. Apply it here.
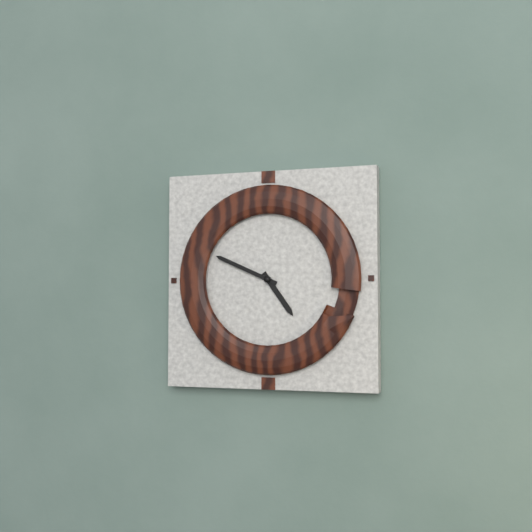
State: 4h49
